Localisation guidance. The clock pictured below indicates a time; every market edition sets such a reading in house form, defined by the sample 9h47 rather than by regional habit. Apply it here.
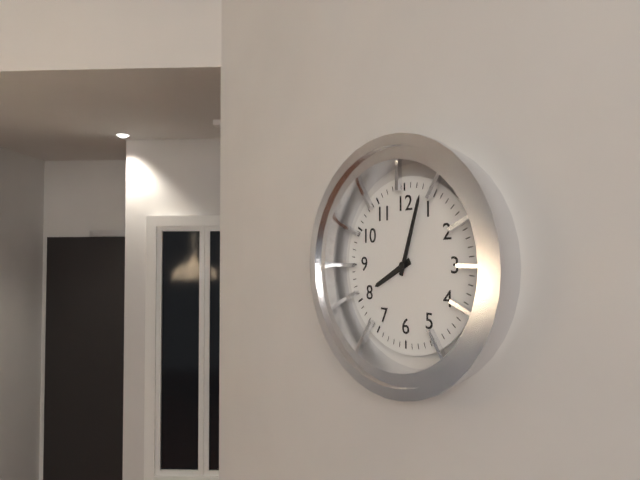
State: 8h03
